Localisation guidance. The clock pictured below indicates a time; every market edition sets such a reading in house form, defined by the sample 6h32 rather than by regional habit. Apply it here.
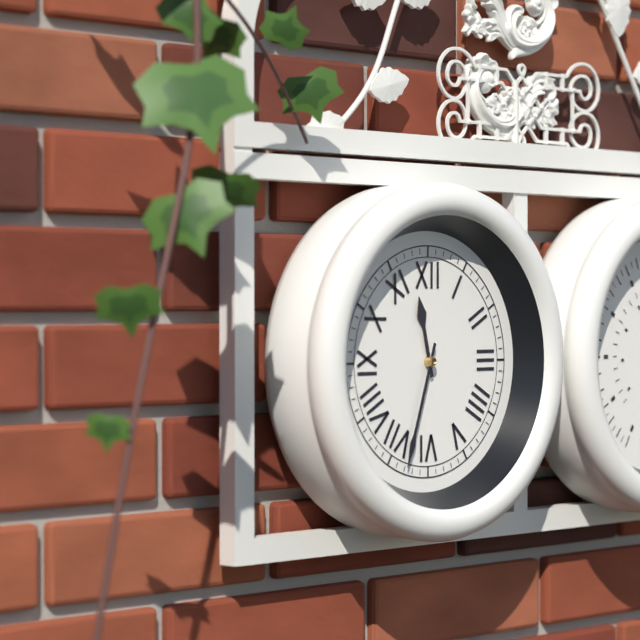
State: 11h33
